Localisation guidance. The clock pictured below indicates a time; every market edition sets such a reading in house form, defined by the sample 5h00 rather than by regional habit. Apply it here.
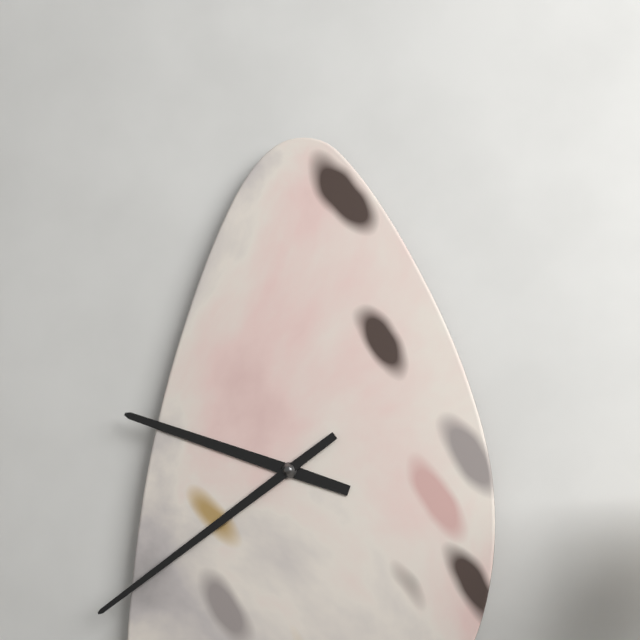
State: 9h39
